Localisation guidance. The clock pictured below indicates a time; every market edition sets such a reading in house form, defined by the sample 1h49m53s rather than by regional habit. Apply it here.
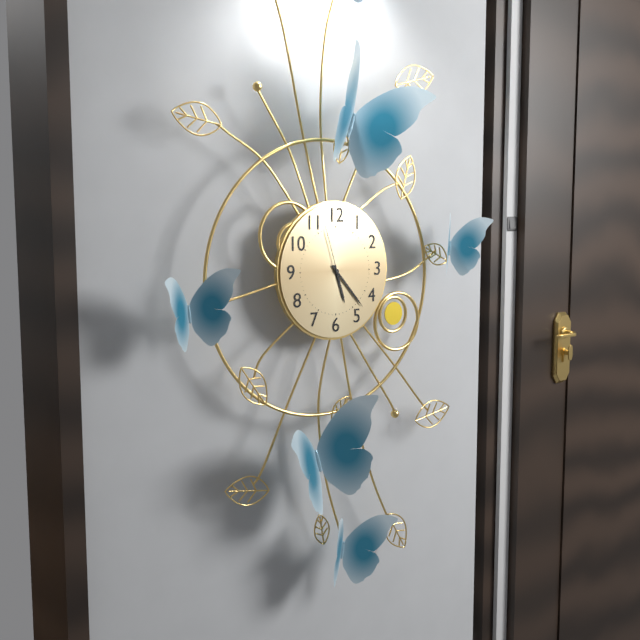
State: 5h23m57s
